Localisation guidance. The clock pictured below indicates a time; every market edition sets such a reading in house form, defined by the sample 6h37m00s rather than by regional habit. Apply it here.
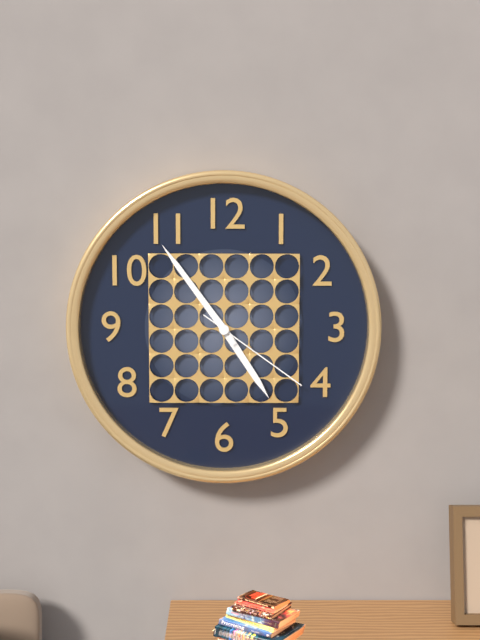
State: 4h54m21s
